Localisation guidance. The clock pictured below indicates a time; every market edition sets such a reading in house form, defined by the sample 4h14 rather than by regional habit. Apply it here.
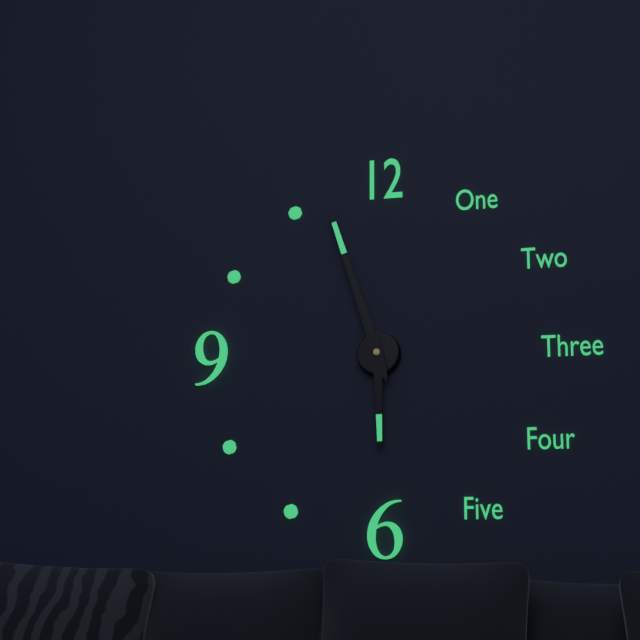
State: 5h57
